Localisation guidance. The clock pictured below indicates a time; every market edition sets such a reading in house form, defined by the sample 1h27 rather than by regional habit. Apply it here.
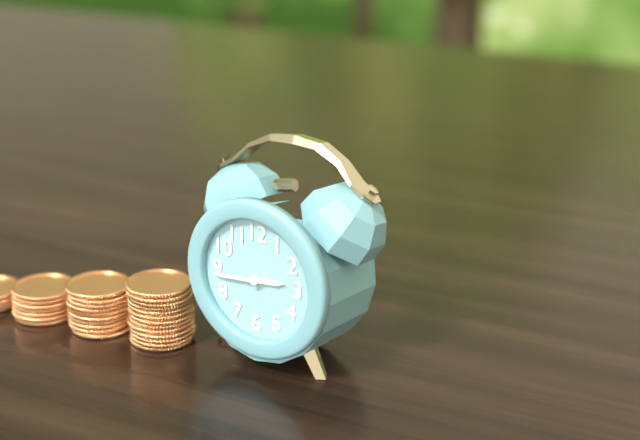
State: 2h44
